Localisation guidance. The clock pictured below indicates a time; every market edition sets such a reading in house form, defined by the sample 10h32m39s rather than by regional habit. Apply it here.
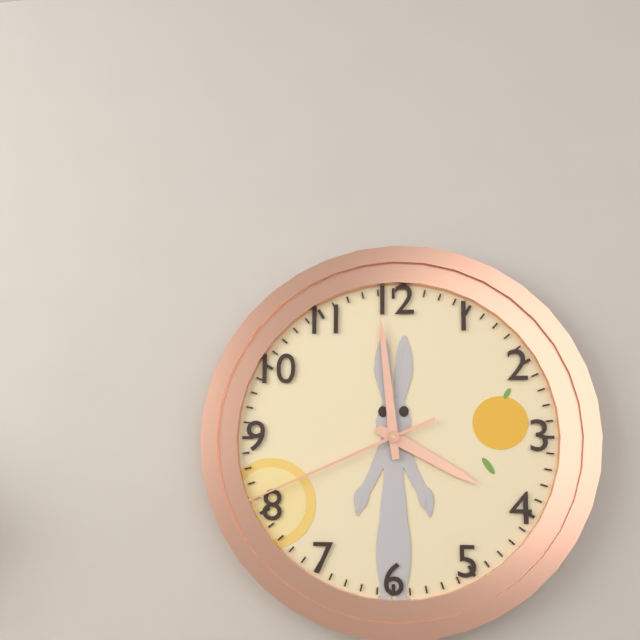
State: 3h59m41s
